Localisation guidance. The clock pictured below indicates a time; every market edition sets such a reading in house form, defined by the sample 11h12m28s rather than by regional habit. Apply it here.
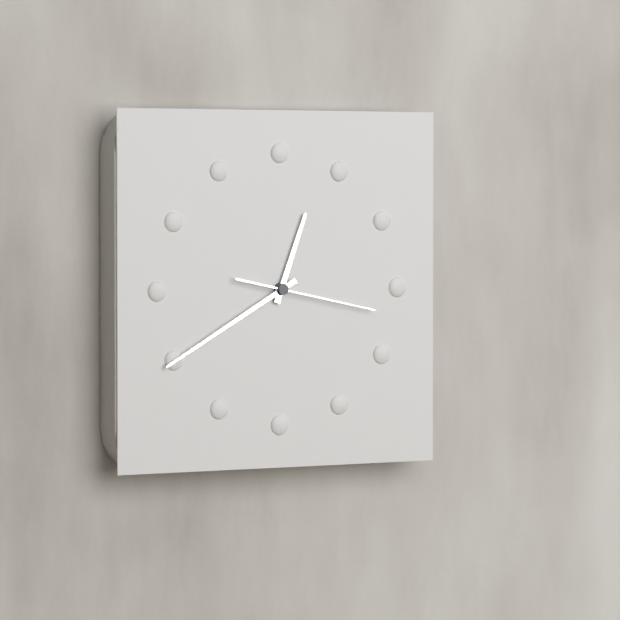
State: 12h40m17s
